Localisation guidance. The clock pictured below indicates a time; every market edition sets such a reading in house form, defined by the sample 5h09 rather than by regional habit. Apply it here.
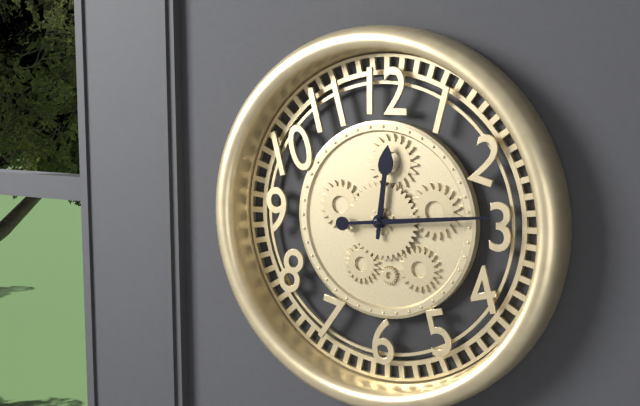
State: 12h14
